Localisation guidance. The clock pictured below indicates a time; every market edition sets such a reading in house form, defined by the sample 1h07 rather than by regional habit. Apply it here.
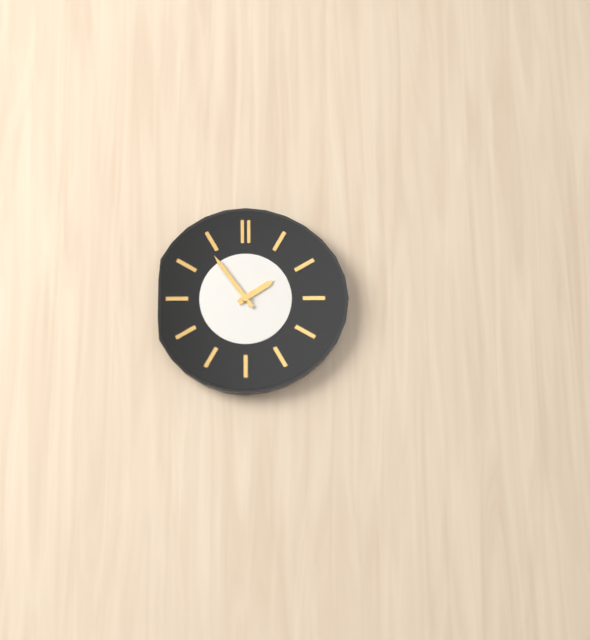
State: 1h54
